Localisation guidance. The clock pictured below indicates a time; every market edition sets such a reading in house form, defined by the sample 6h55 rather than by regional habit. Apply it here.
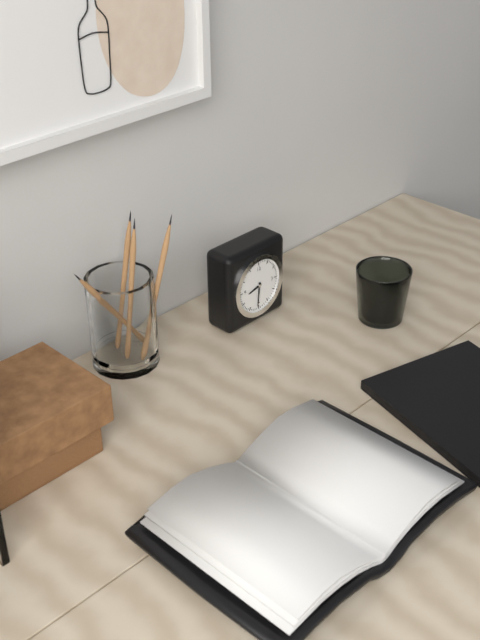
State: 8h31
